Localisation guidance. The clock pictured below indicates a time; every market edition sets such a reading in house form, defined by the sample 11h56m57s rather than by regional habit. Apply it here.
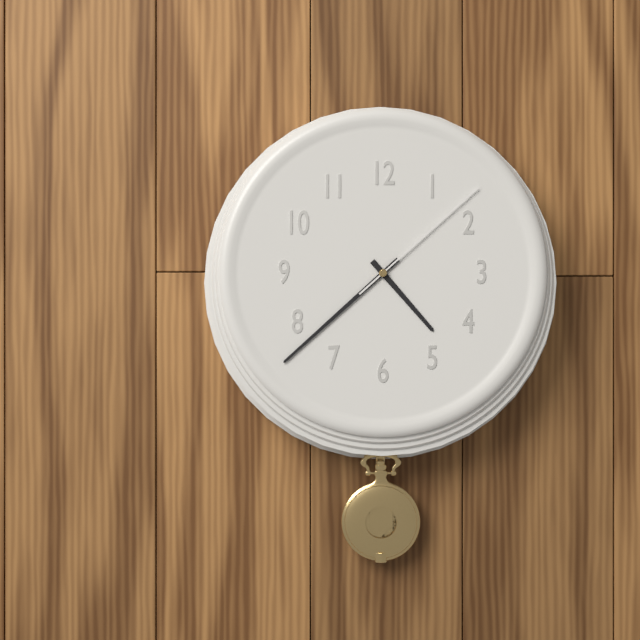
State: 4h38m08s
